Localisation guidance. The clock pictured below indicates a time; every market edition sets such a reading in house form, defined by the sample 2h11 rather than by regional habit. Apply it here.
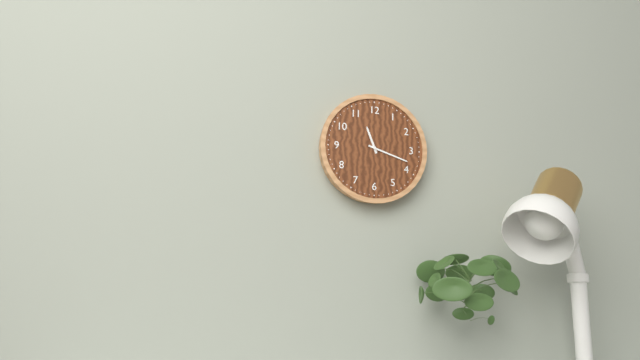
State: 11h18
